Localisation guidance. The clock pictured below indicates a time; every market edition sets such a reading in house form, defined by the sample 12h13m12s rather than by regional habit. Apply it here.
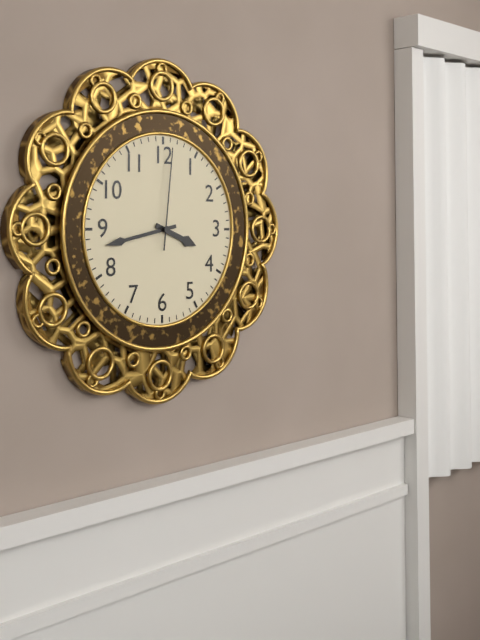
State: 3h43m01s
